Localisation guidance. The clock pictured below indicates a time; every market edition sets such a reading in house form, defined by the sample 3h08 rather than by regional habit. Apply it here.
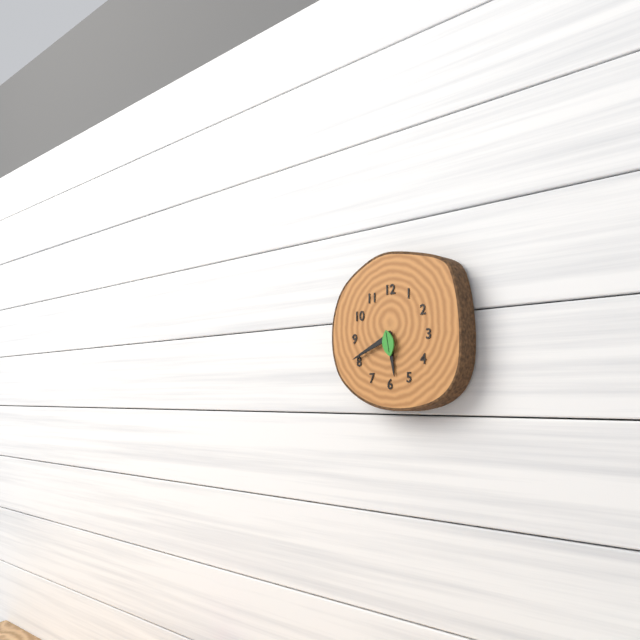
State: 5h41
